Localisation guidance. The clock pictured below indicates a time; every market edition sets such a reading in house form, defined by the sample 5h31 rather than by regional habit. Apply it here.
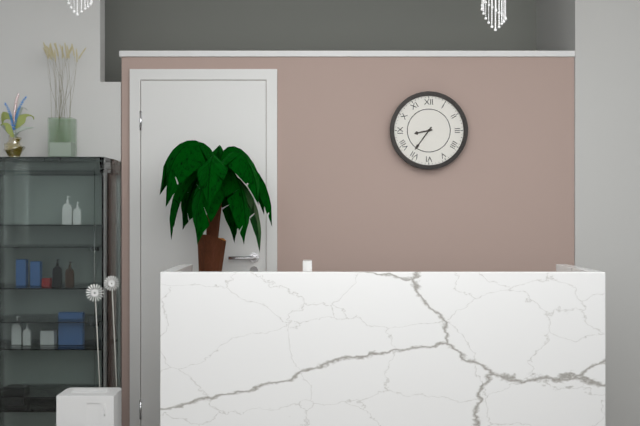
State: 8h36
